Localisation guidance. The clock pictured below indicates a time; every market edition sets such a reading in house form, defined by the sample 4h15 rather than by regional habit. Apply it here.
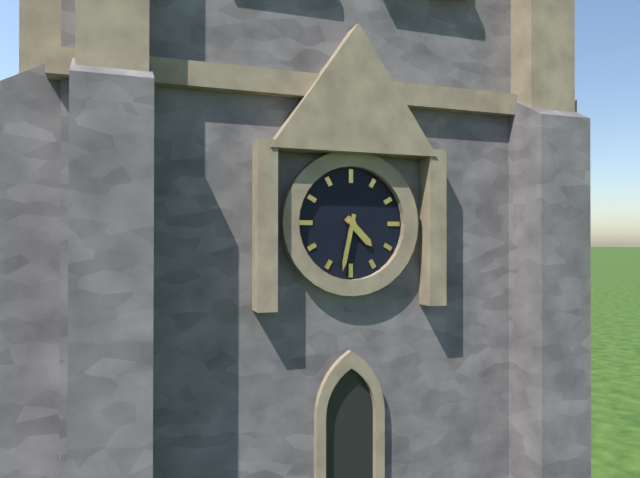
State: 4h32
